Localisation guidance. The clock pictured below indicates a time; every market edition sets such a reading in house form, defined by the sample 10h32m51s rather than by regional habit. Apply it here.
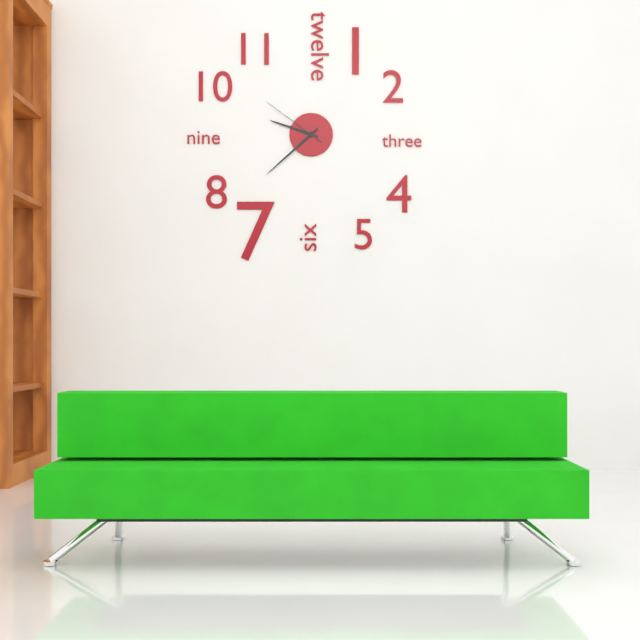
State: 9h38m51s
